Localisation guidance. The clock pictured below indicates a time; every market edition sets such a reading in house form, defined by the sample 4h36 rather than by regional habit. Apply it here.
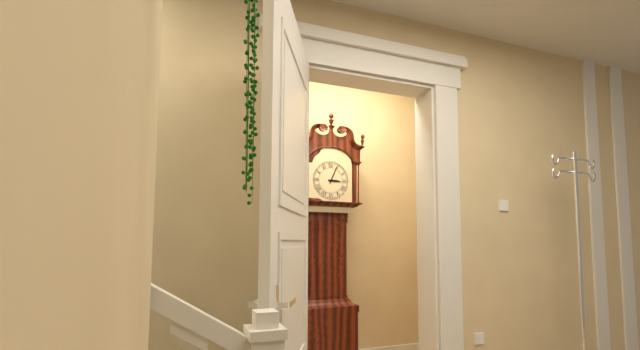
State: 3h04
